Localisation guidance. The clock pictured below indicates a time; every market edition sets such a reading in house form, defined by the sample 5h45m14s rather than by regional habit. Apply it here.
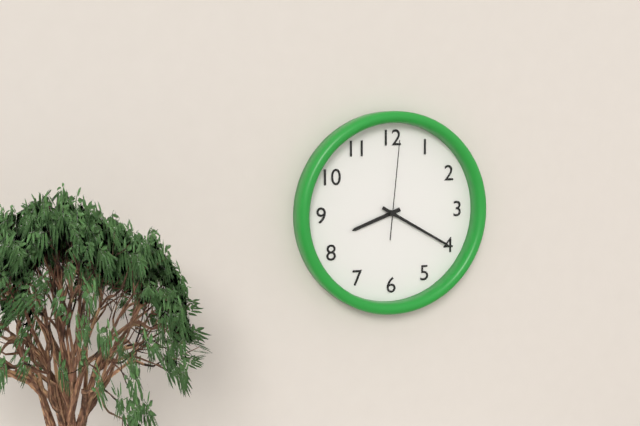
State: 8h20m01s
